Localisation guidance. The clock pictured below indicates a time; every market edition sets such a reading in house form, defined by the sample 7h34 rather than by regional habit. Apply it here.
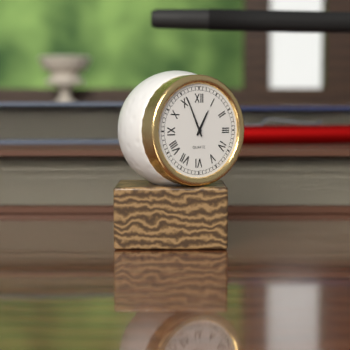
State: 12h56
